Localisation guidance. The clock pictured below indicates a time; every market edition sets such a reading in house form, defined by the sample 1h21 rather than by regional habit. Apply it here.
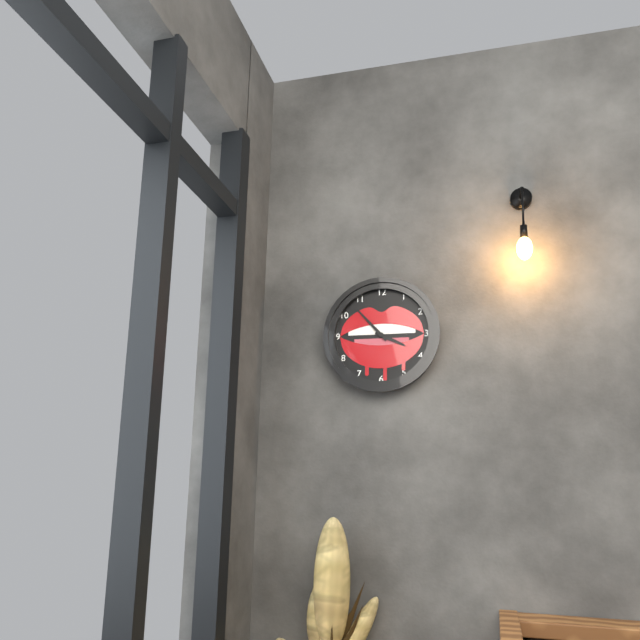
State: 3h53
